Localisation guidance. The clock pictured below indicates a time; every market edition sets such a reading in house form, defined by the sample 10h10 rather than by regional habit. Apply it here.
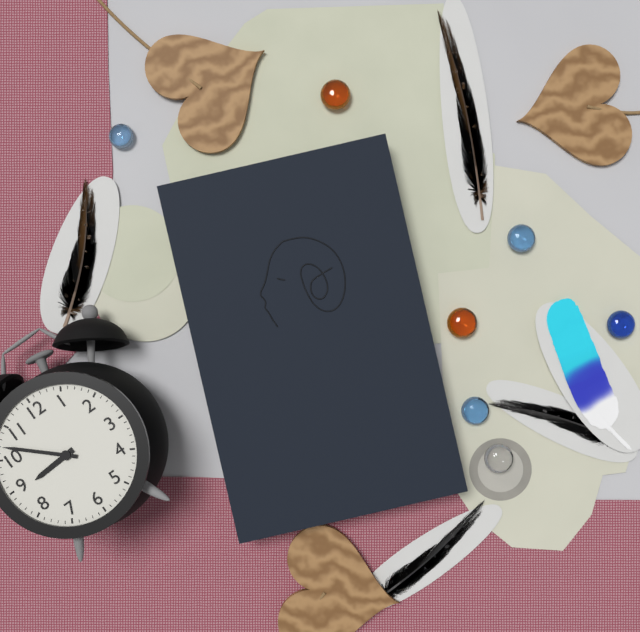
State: 8h52
